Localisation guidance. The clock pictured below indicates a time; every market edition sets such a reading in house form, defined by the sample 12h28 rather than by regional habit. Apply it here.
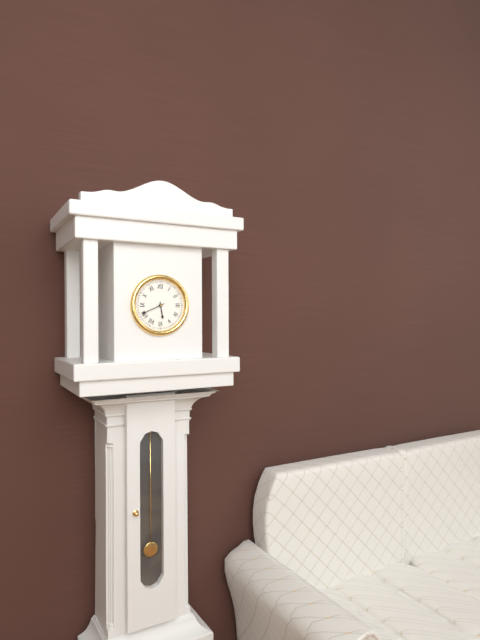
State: 5h41
